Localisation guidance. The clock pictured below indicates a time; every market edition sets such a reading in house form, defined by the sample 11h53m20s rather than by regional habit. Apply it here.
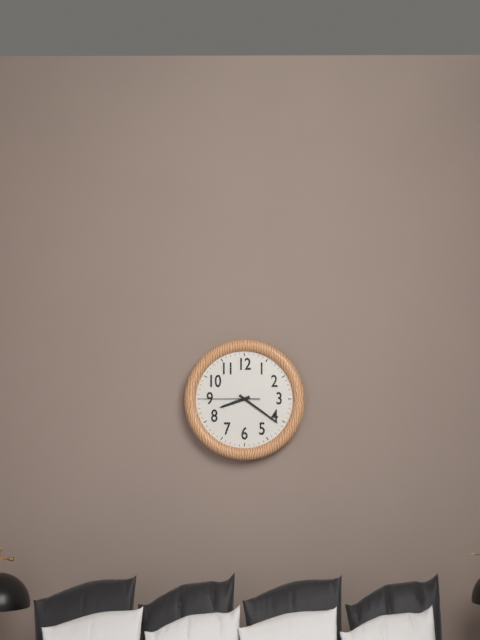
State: 8h21m45s
